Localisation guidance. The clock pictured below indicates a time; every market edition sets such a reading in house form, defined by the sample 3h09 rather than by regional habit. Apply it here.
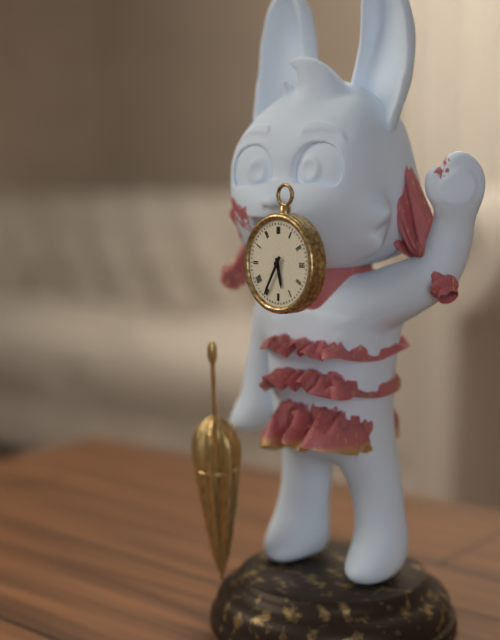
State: 5h35
